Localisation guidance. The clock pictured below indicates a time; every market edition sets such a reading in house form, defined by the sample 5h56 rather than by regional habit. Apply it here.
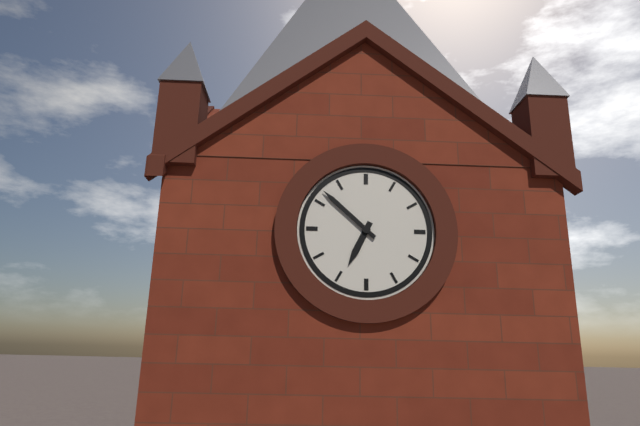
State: 6h52
